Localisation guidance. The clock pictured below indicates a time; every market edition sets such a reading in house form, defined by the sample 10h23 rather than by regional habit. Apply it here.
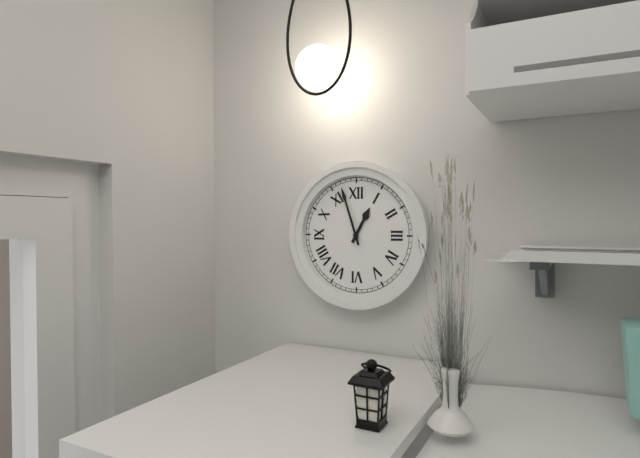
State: 12h57
